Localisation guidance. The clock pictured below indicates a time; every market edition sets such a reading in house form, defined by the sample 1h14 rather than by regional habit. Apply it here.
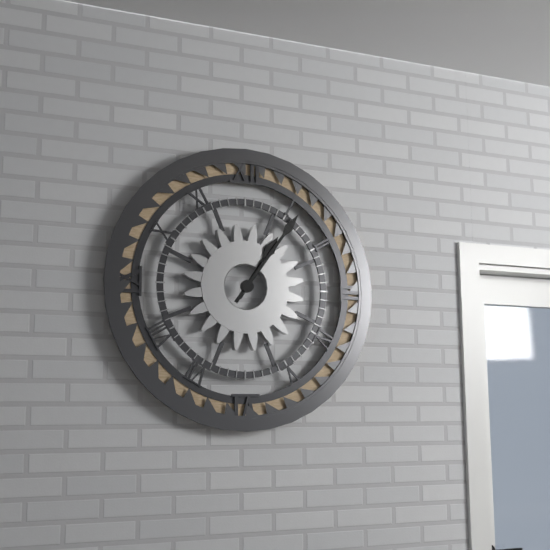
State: 1h06
